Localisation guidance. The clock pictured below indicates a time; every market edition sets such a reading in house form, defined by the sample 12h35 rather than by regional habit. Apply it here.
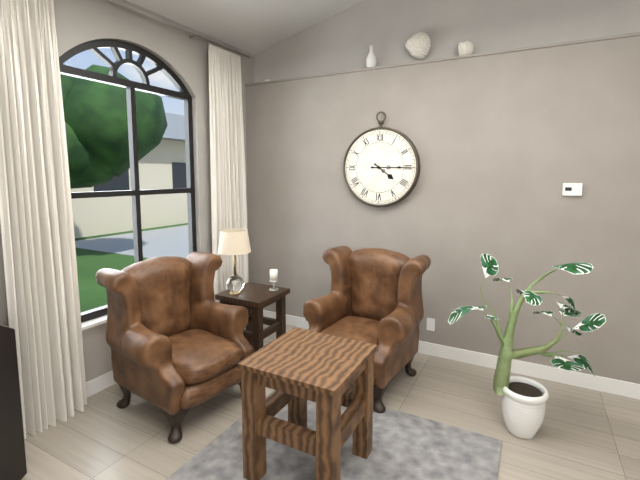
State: 4h15
